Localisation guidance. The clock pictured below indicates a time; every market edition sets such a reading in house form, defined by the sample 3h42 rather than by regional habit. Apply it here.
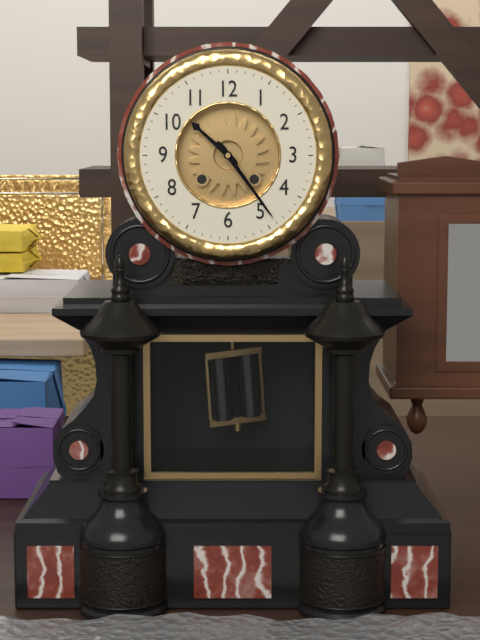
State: 10h24
